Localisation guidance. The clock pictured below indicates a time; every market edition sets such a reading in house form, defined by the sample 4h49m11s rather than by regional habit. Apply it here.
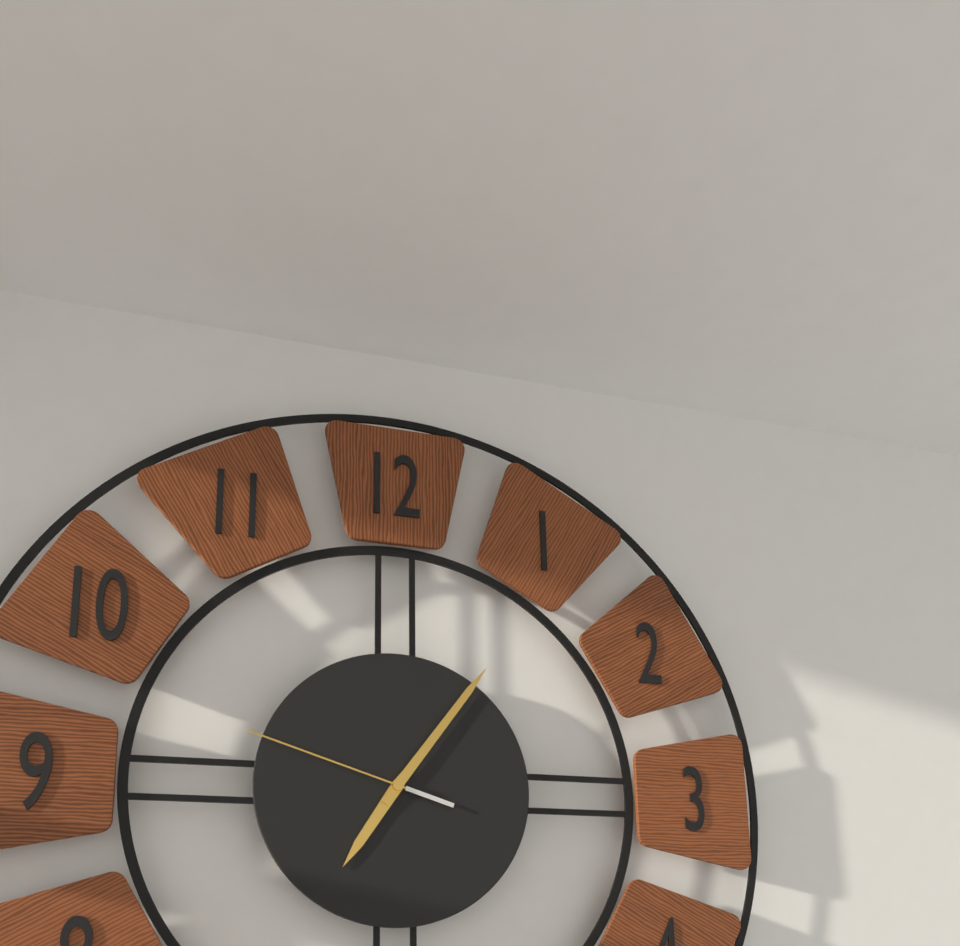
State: 7h06m48s
